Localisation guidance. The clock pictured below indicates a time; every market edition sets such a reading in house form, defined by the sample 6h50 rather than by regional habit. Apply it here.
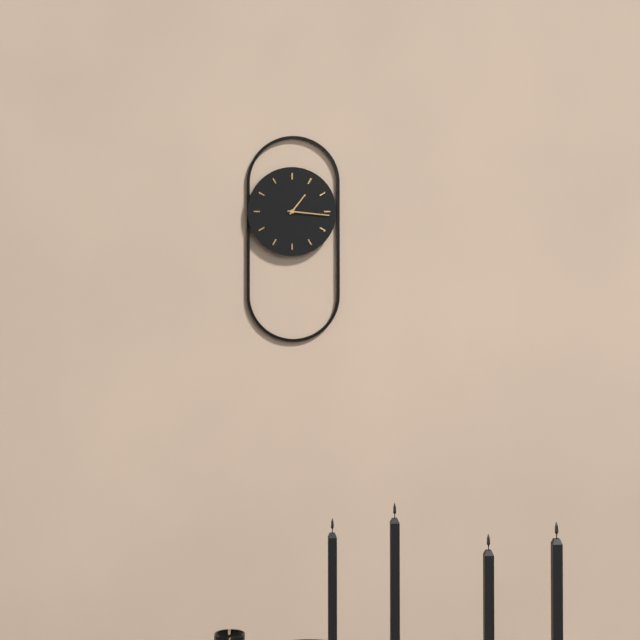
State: 1h16
